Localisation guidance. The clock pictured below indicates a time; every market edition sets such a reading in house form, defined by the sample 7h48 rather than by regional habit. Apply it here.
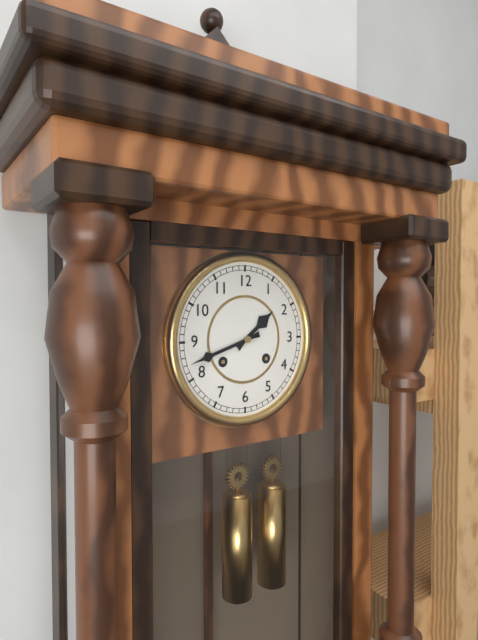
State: 1h42
